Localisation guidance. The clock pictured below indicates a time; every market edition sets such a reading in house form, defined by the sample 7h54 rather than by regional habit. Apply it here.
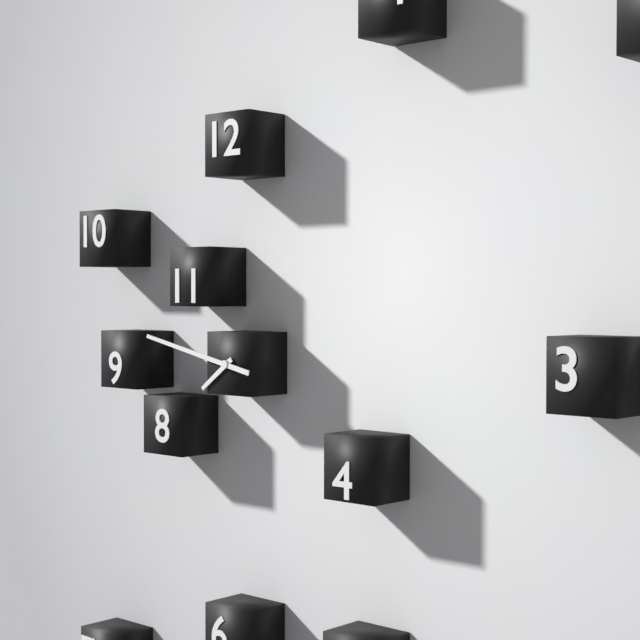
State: 7h47
